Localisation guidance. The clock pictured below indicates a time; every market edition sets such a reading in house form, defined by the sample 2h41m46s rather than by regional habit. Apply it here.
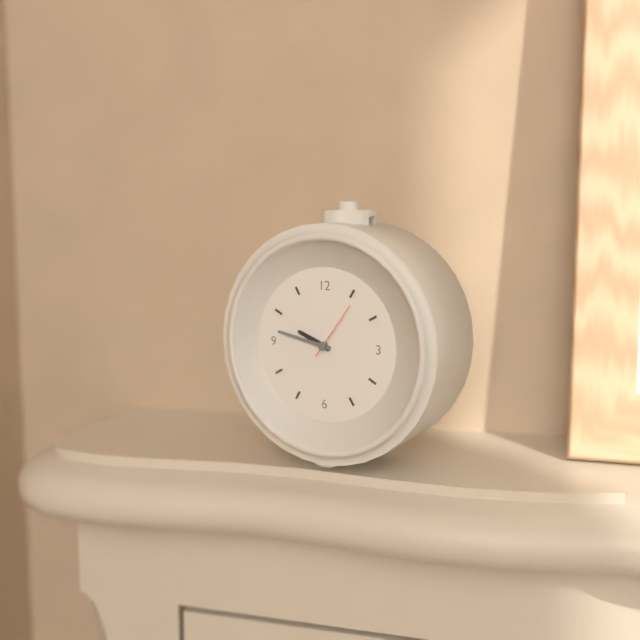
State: 9h47m06s
